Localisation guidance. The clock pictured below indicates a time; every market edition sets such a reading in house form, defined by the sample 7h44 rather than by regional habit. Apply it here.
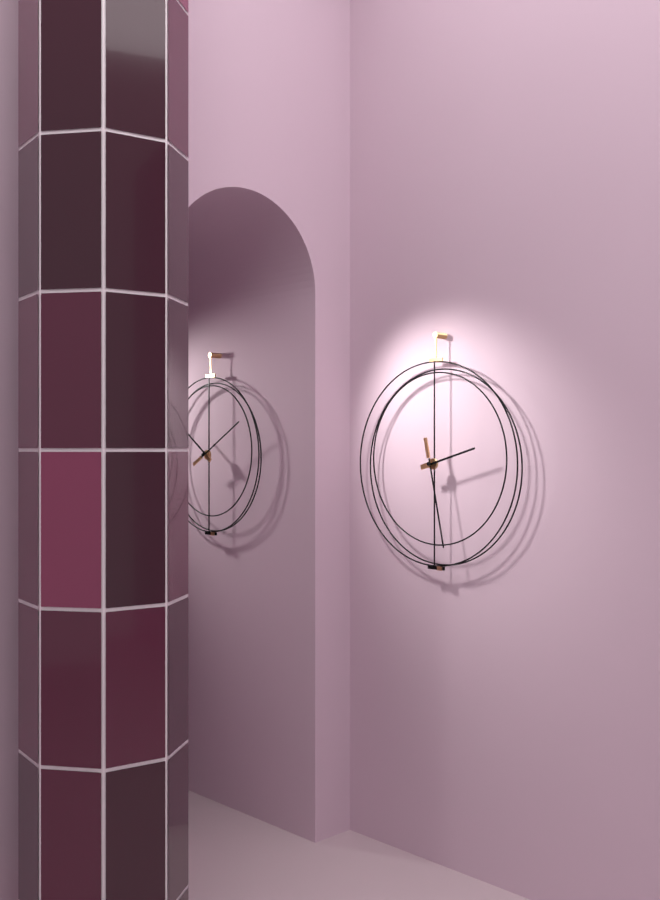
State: 2h28
